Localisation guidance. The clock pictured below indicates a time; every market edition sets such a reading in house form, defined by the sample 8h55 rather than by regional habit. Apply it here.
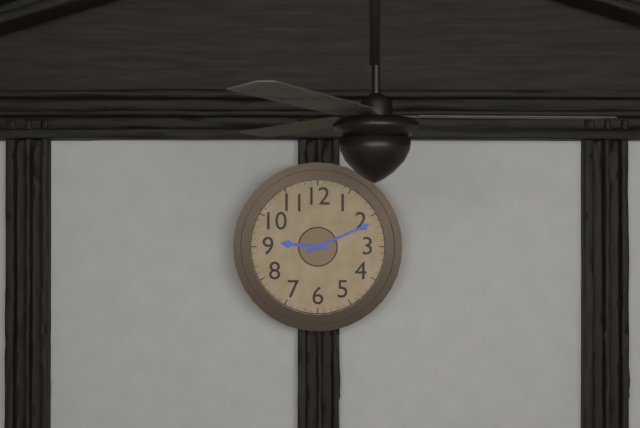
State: 9h11
